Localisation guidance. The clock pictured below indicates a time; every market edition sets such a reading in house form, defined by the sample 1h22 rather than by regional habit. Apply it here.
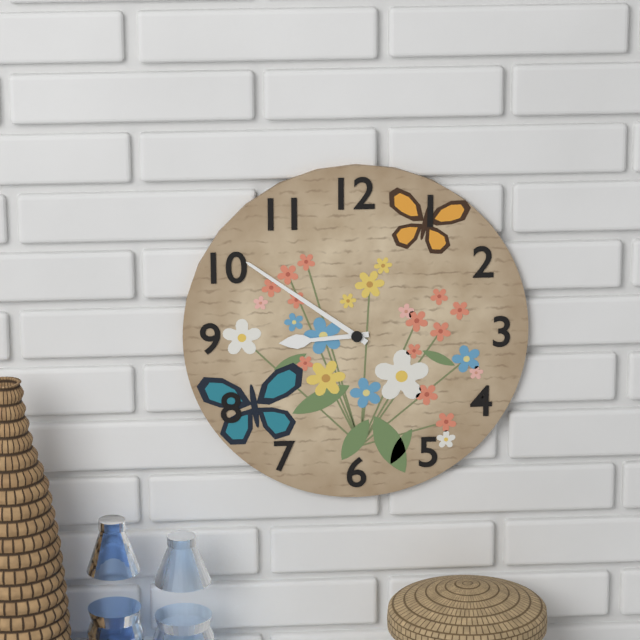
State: 8h51
